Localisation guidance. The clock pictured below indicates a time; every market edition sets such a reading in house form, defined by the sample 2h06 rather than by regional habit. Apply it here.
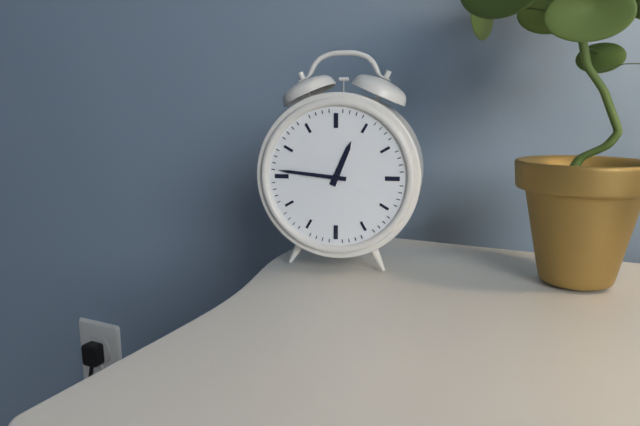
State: 12h46
